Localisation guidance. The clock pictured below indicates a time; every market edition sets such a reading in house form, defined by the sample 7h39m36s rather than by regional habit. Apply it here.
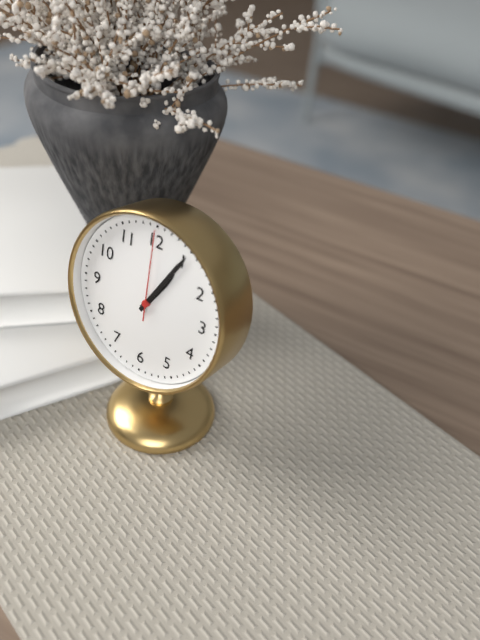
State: 1h05m00s
